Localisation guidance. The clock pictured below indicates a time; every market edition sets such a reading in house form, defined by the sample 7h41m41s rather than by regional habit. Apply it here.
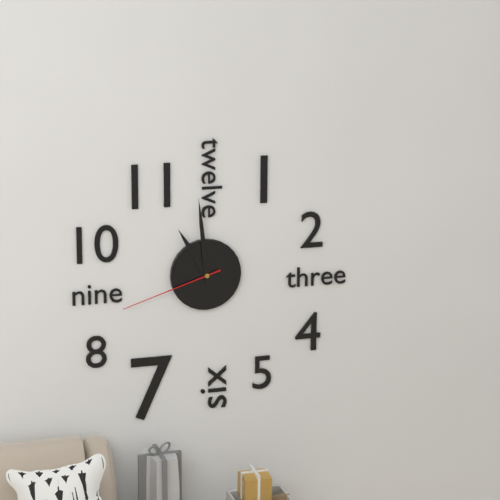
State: 10h59m42s
